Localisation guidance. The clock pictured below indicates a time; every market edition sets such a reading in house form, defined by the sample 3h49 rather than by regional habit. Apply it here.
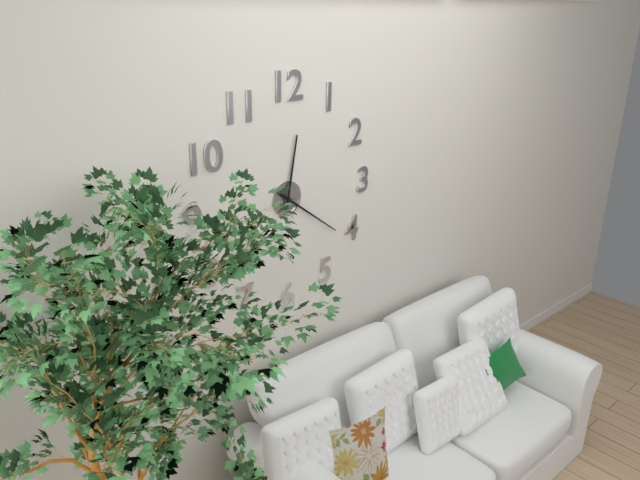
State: 12h21
